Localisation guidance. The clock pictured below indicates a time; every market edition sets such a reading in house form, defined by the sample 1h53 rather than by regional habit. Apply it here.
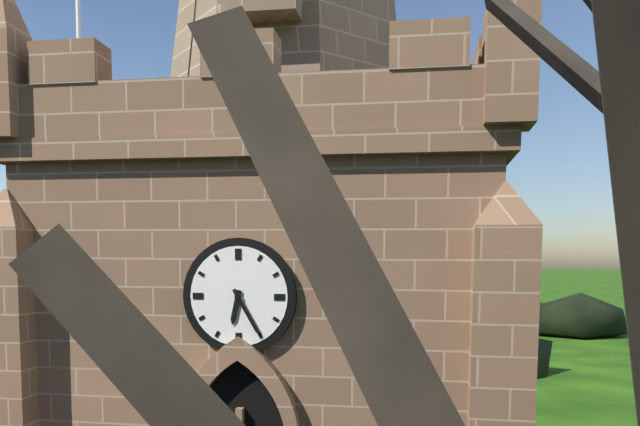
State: 6h25
